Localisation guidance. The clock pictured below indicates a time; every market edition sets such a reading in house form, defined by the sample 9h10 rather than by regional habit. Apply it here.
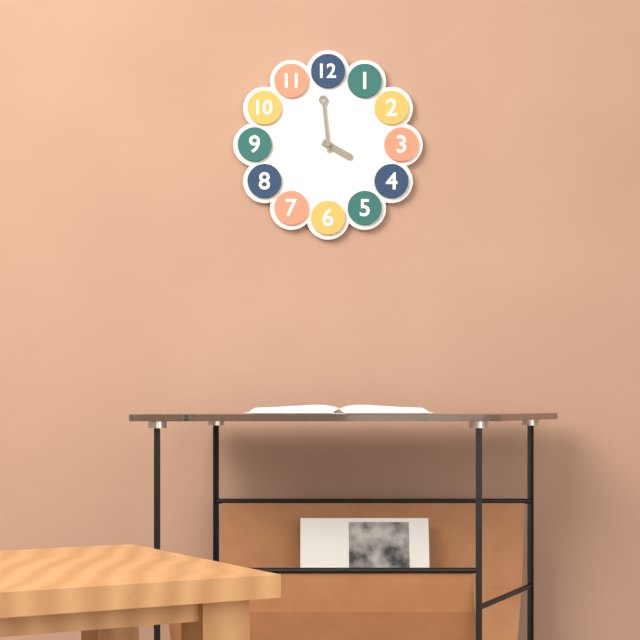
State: 3h59
